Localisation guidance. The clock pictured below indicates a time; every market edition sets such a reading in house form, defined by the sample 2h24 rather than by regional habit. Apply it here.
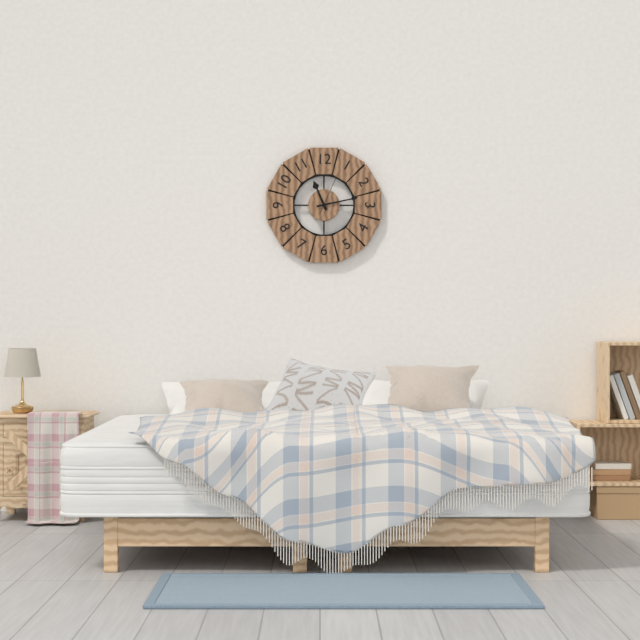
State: 11h13
